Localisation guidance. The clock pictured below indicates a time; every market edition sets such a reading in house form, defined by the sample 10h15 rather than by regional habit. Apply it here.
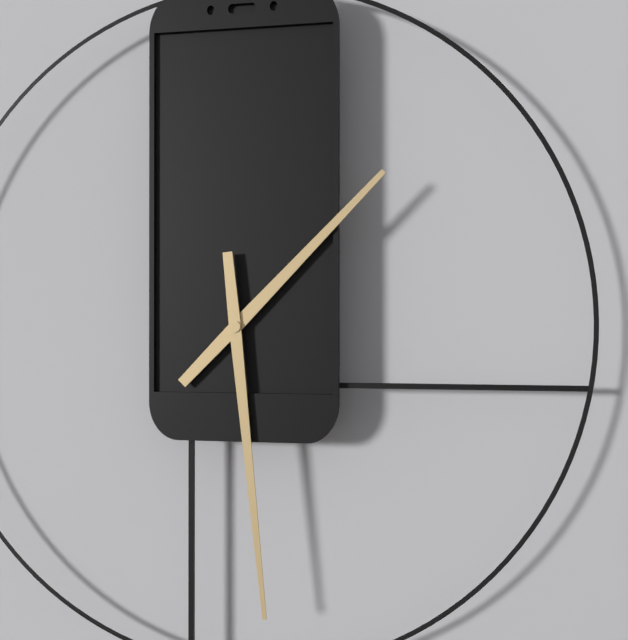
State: 1h29
